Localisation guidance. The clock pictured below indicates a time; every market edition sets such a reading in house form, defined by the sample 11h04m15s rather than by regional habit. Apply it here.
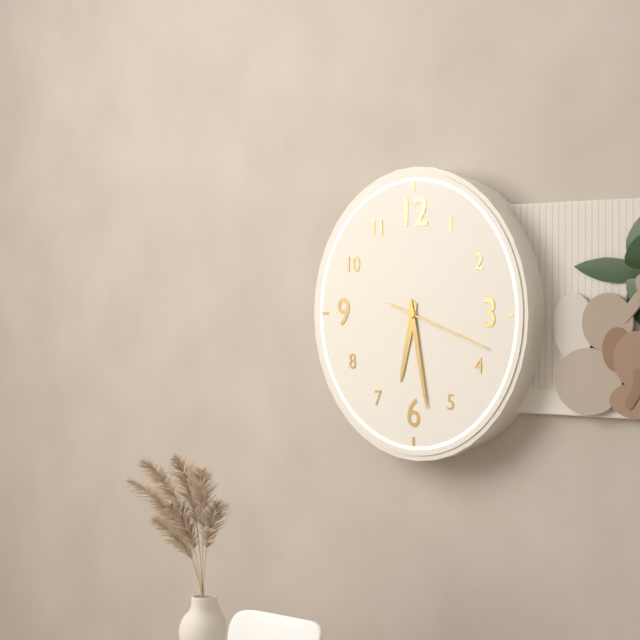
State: 6h28m18s
